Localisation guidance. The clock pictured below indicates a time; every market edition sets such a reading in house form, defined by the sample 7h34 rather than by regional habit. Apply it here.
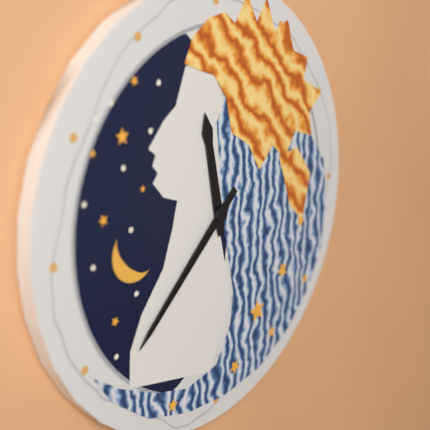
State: 11h38
